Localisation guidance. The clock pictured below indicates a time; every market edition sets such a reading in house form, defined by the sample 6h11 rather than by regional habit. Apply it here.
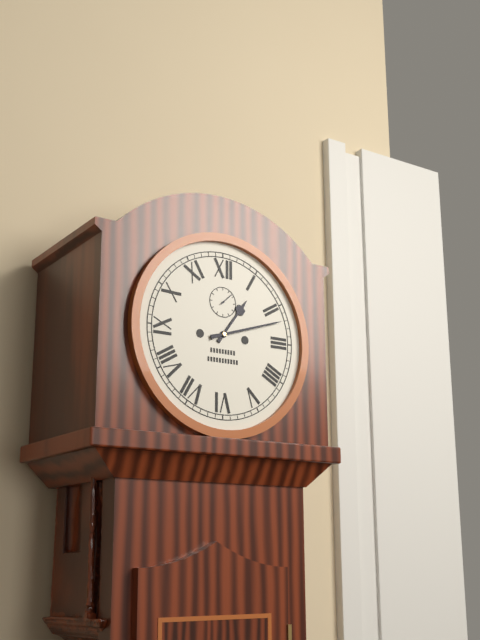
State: 1h12
